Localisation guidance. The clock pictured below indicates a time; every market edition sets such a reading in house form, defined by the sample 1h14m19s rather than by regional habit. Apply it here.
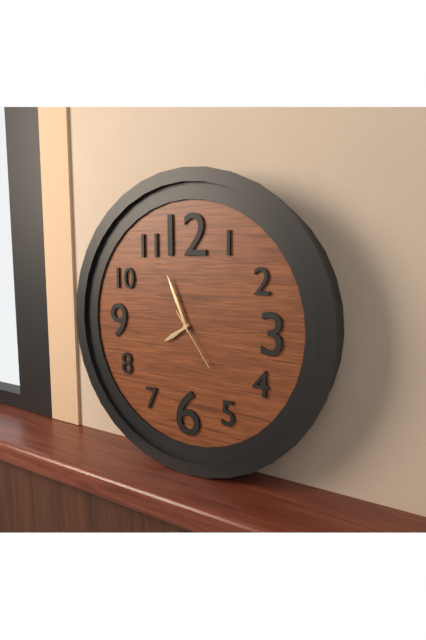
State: 7h56m24s
